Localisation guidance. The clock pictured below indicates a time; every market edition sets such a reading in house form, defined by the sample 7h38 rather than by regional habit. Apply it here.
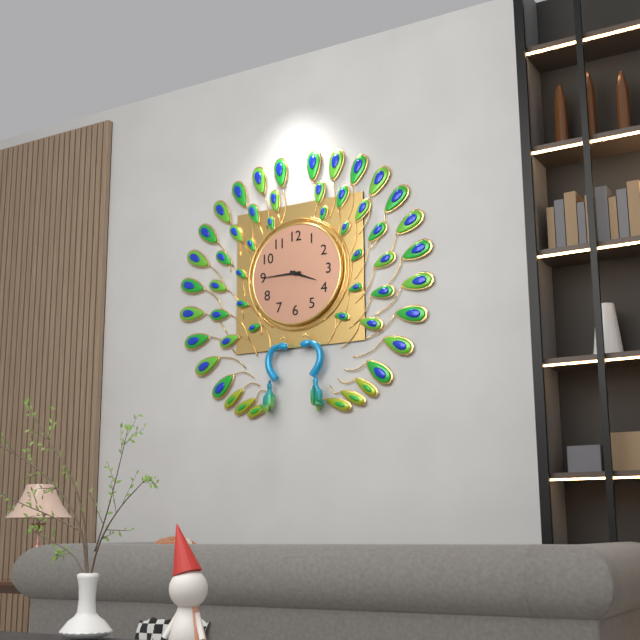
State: 3h45
